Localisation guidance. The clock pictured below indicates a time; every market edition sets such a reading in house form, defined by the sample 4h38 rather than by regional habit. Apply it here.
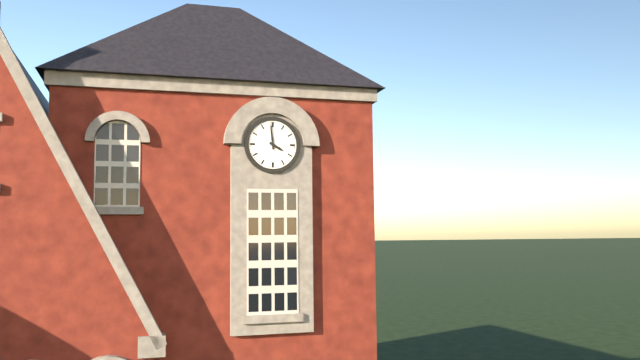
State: 3h59
